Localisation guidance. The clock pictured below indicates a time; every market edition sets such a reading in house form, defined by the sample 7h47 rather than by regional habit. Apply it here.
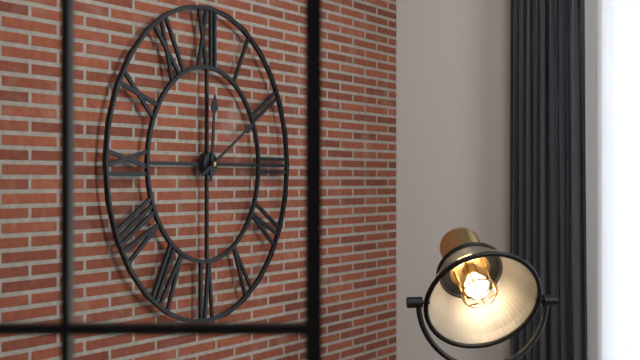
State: 12h10
